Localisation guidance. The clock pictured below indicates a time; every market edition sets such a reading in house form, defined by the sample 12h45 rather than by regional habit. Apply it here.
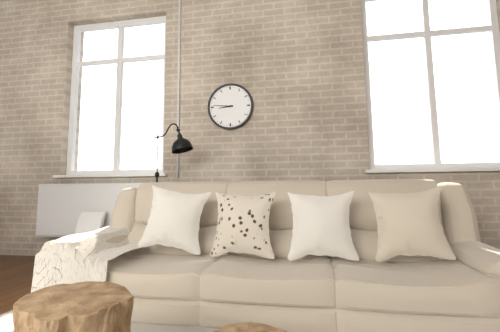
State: 8h46
